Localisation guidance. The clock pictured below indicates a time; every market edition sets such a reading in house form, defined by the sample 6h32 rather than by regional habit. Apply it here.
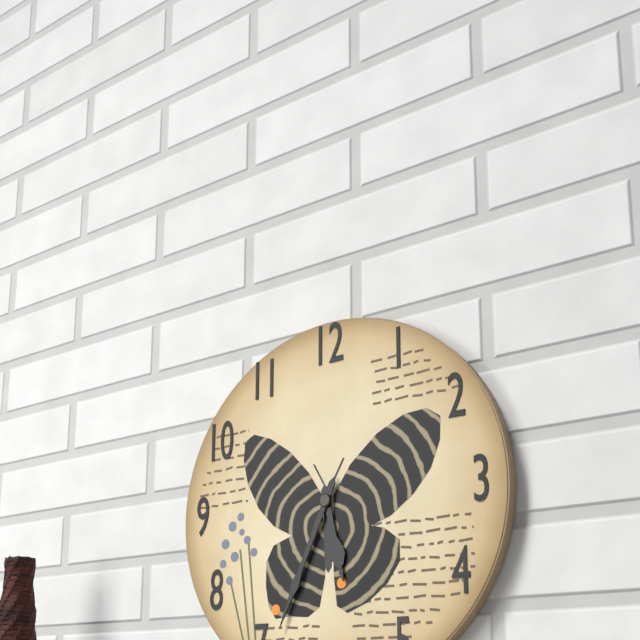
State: 5h34
